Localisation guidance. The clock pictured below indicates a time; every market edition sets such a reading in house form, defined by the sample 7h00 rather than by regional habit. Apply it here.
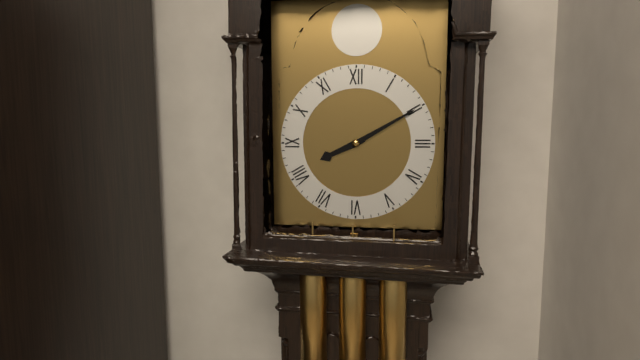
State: 8h10
